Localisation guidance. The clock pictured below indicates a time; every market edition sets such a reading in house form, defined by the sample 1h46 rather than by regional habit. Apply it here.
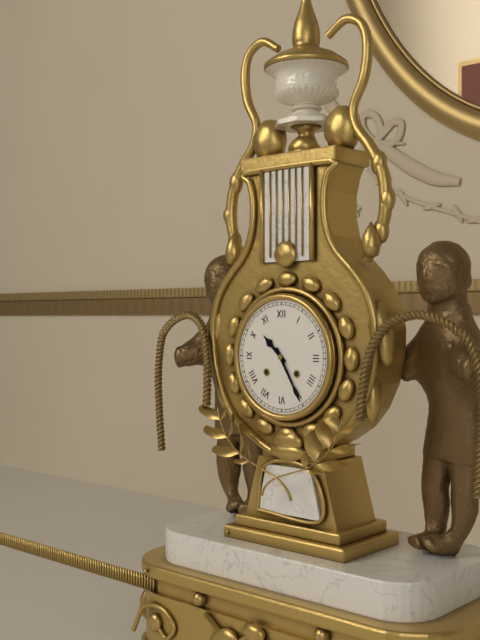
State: 10h25
